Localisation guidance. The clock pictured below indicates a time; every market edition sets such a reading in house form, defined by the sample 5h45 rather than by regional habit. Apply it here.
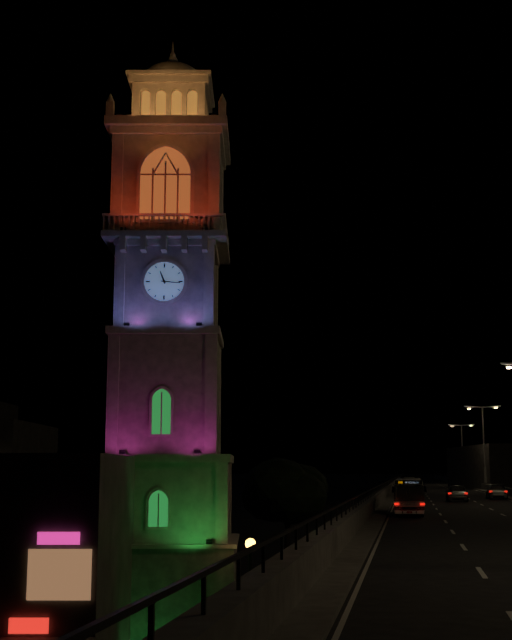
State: 11h16
